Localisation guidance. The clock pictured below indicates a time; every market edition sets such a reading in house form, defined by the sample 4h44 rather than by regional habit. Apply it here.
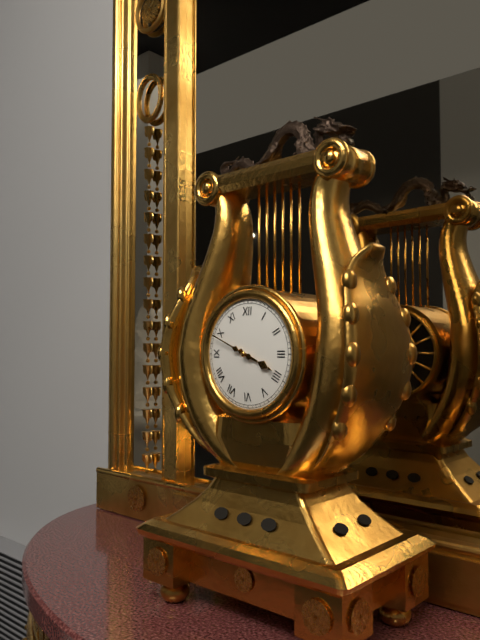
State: 3h49
